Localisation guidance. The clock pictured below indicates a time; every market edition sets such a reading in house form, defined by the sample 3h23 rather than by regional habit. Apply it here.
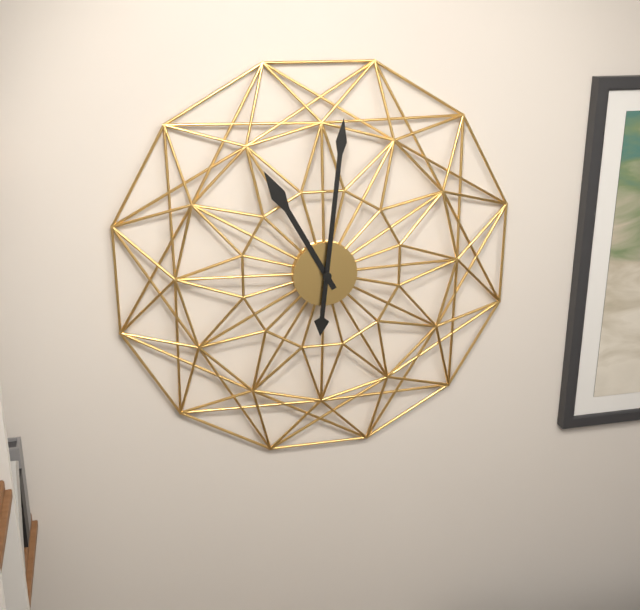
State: 11h01
